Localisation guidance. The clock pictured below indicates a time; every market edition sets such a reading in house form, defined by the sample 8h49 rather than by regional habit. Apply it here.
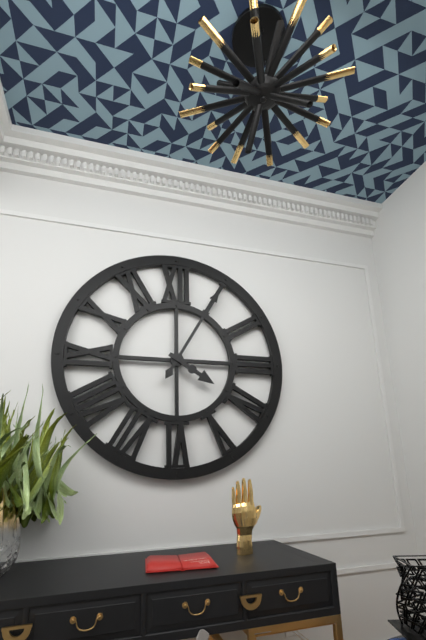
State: 4h05
